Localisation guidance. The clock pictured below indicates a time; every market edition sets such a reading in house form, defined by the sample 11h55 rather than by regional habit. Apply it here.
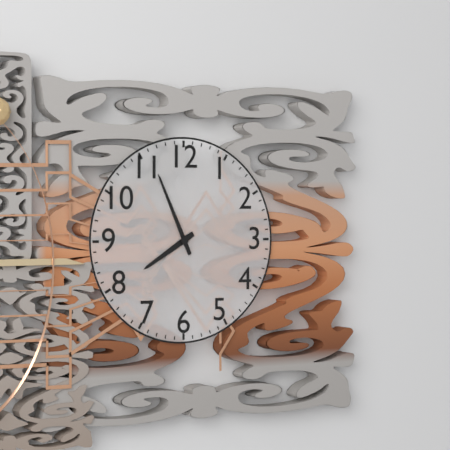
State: 7h56
